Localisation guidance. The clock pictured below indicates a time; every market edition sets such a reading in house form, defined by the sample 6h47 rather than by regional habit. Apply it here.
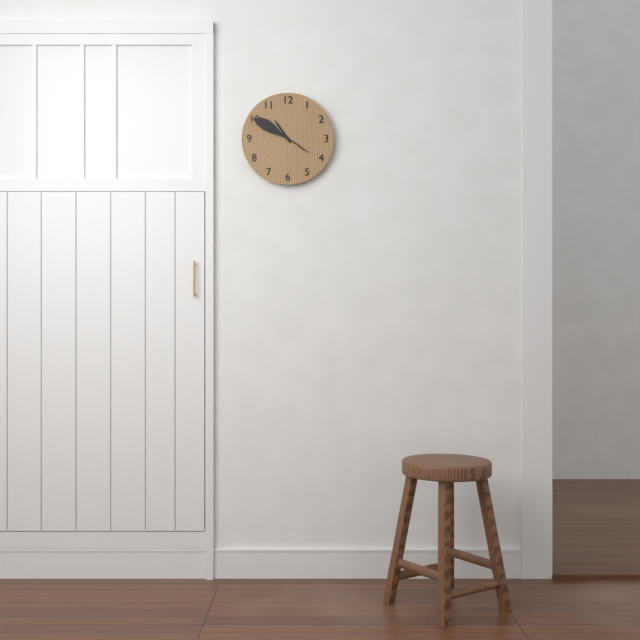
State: 10h50
